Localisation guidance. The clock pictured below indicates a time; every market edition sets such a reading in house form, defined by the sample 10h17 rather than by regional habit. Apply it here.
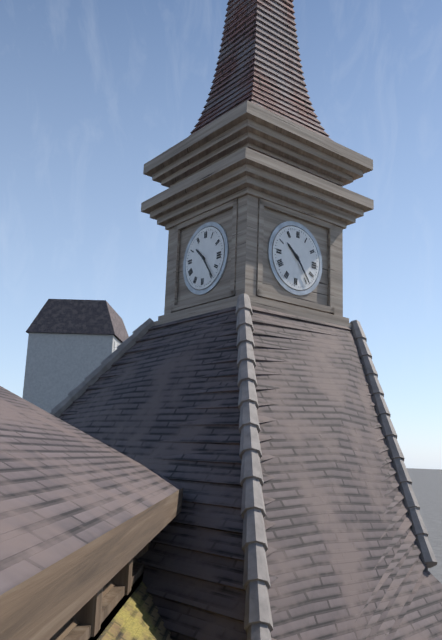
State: 10h24
